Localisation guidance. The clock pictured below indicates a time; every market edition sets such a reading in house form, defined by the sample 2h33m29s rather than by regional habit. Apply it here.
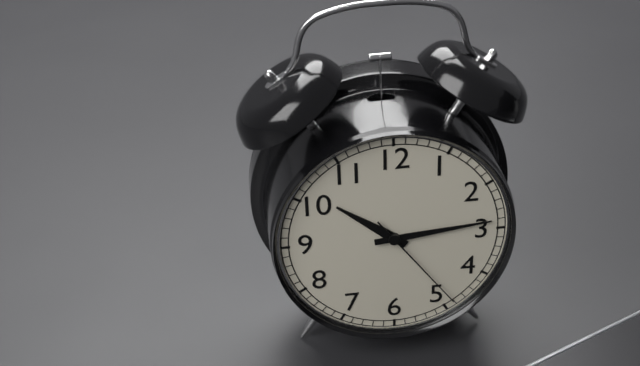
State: 10h14m24s
